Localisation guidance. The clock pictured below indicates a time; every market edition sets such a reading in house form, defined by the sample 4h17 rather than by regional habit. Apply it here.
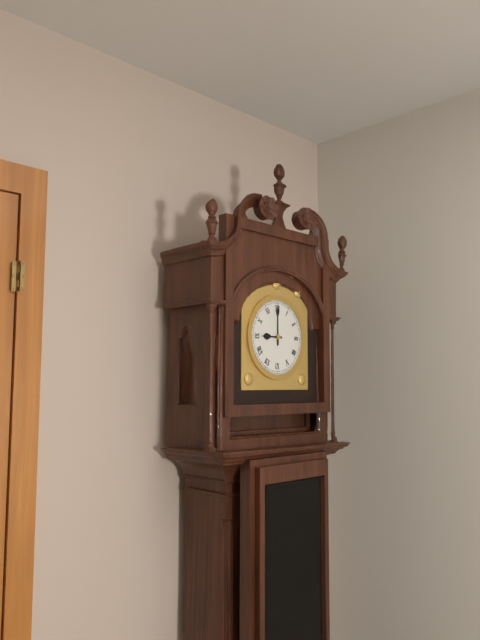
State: 9h00
